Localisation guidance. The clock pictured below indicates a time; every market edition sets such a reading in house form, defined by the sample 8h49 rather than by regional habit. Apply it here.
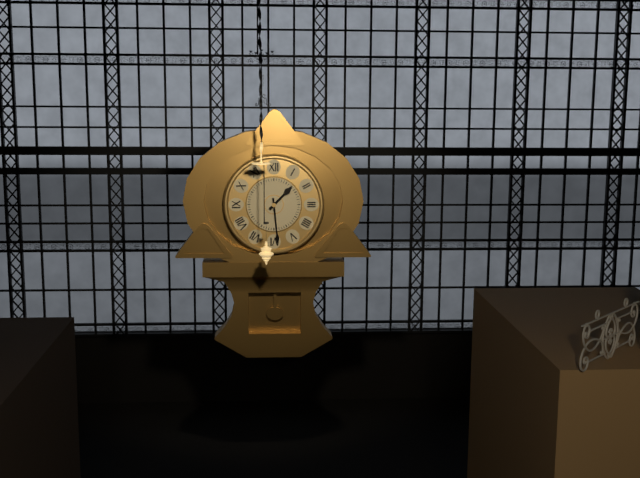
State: 1h29
